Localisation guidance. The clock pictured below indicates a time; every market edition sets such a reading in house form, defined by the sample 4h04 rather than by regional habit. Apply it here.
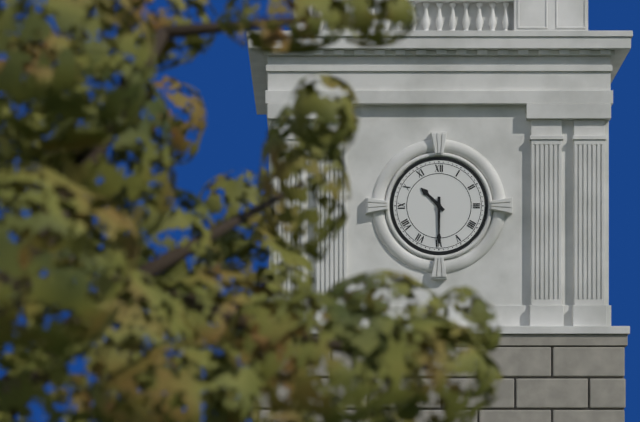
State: 10h30
